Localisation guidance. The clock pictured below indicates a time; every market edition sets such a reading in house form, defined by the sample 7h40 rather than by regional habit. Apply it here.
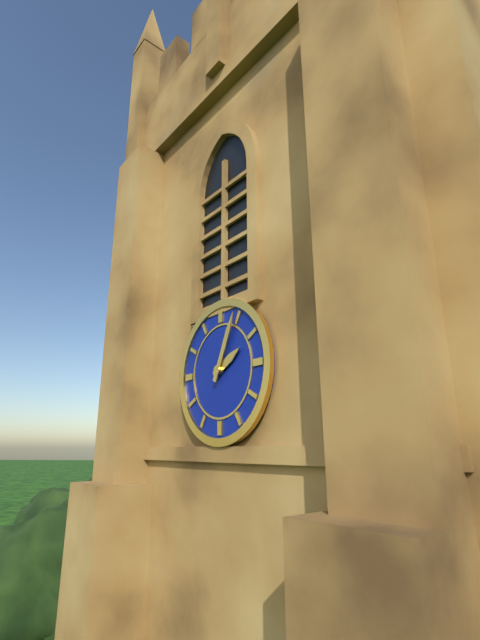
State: 2h04
